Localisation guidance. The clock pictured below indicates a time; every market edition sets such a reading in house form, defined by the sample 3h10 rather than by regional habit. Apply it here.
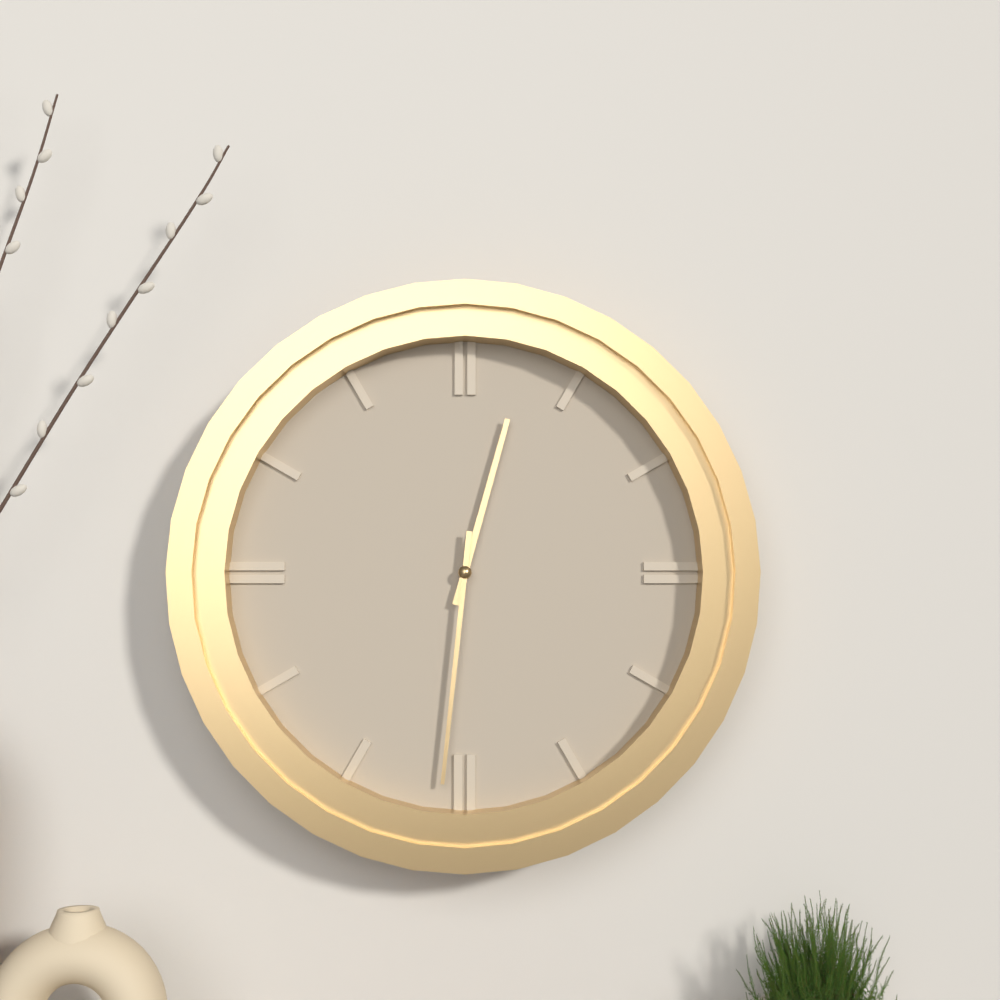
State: 12h31
